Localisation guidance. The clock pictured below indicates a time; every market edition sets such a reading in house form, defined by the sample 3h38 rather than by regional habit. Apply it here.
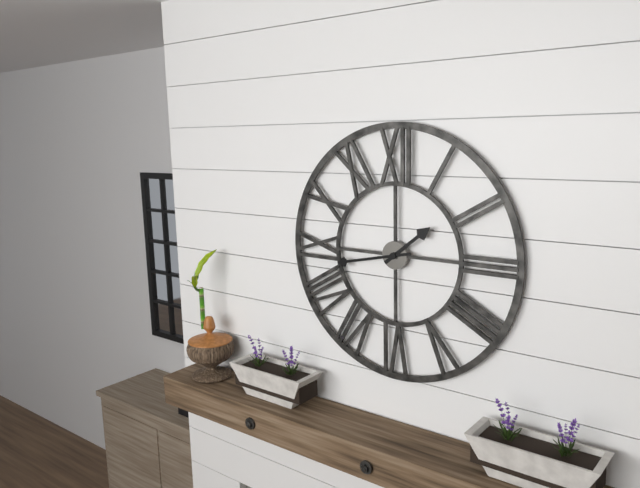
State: 1h43
